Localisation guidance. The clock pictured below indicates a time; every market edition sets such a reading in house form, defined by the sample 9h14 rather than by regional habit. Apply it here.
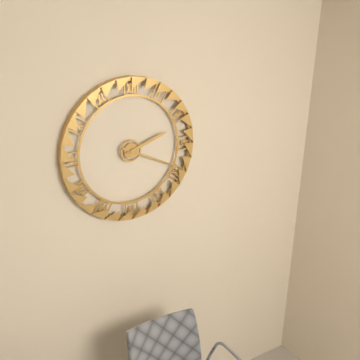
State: 2h19
